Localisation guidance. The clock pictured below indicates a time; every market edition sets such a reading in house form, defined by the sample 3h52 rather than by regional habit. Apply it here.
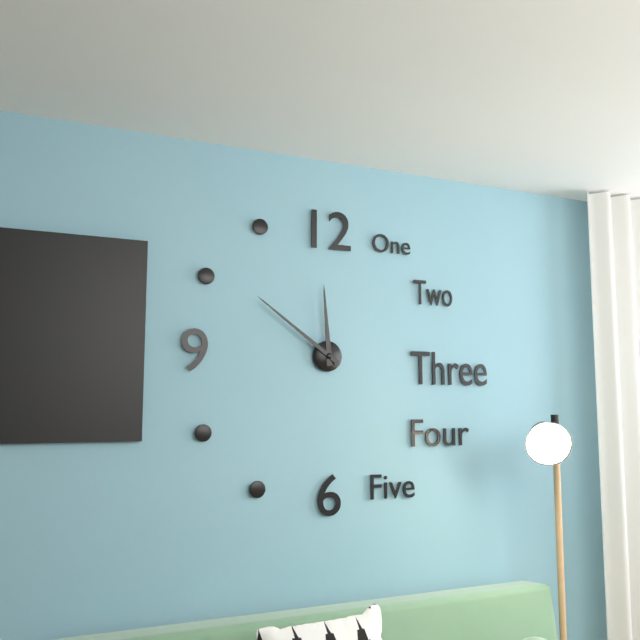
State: 11h51
